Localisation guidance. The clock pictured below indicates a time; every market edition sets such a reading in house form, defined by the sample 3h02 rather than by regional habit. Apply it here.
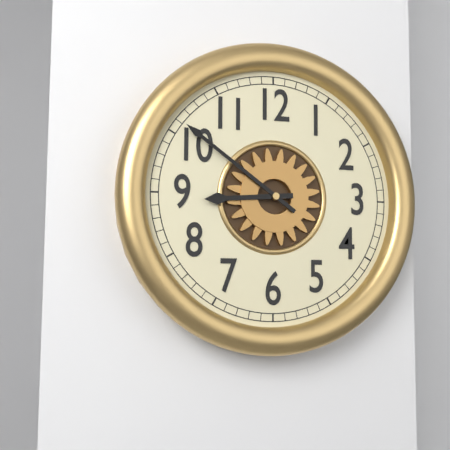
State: 8h51
